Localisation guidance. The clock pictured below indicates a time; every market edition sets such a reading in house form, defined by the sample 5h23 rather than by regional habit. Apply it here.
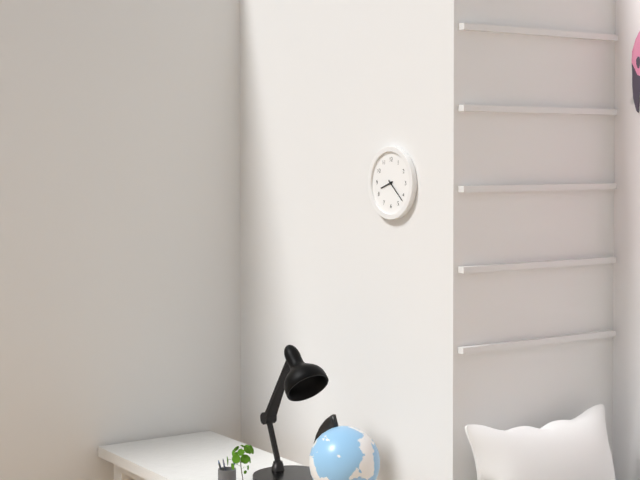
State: 8h22
